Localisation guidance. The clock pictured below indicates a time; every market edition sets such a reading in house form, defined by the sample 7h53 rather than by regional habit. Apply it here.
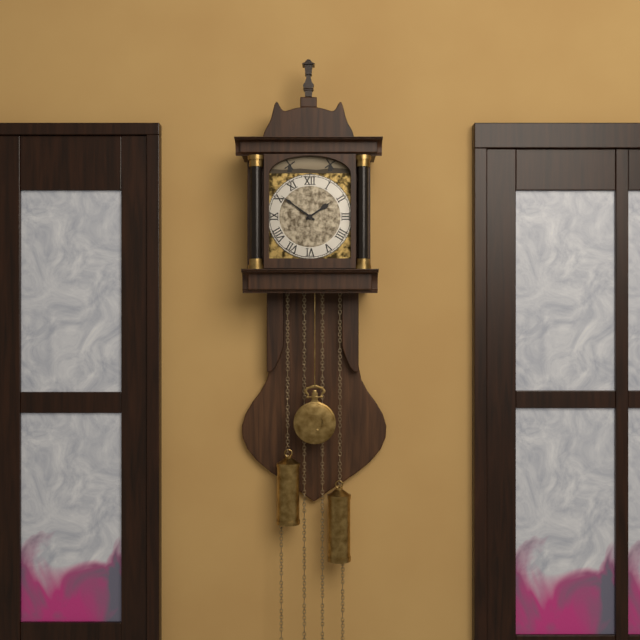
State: 1h51
